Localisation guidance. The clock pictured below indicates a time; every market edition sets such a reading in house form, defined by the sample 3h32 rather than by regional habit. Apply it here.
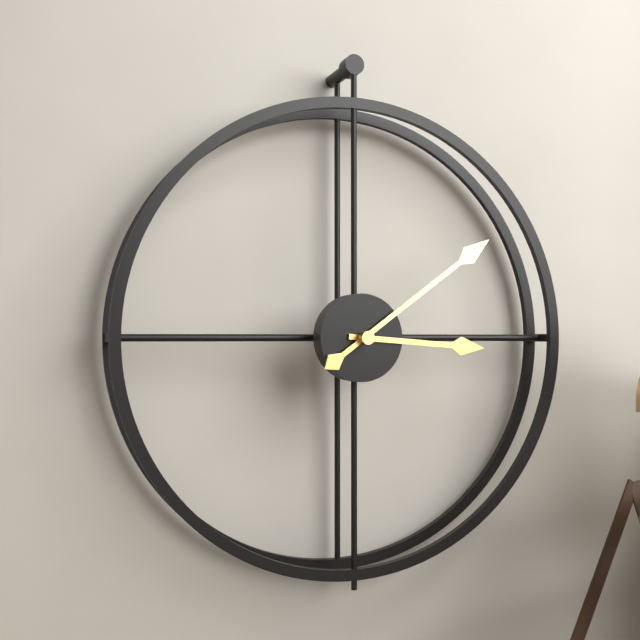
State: 3h09
